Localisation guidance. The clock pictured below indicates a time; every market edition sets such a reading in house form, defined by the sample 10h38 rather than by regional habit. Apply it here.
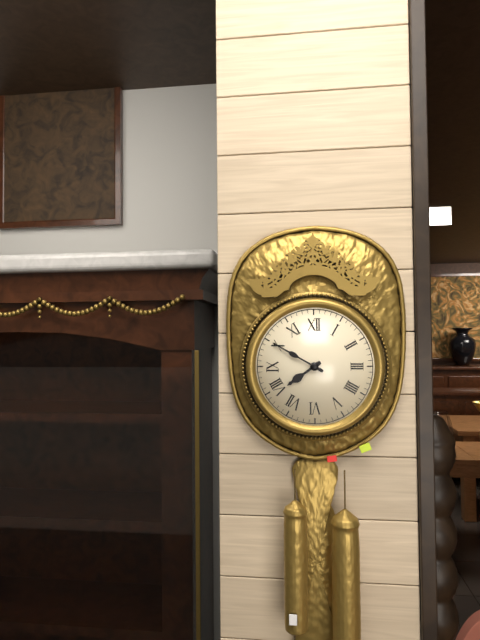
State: 7h50
